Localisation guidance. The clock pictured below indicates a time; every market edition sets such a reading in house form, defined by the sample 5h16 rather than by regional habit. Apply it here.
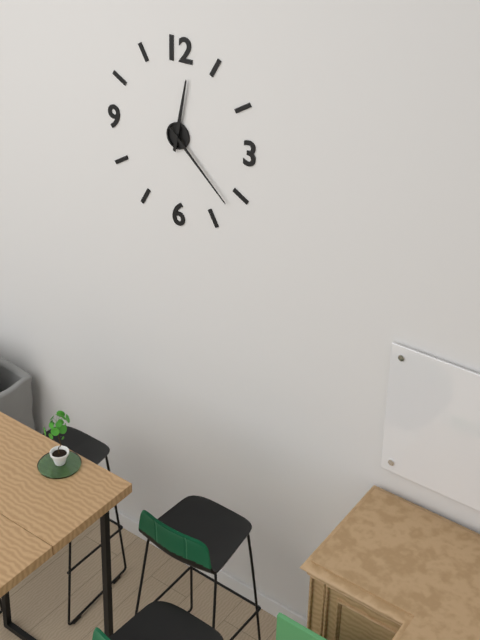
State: 12h22
